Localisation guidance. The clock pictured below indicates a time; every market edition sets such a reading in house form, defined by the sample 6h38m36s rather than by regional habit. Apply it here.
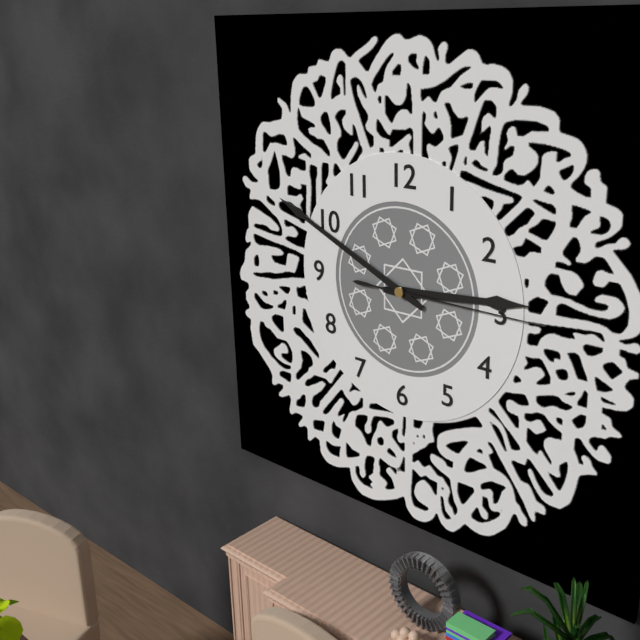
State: 2h49m15s
